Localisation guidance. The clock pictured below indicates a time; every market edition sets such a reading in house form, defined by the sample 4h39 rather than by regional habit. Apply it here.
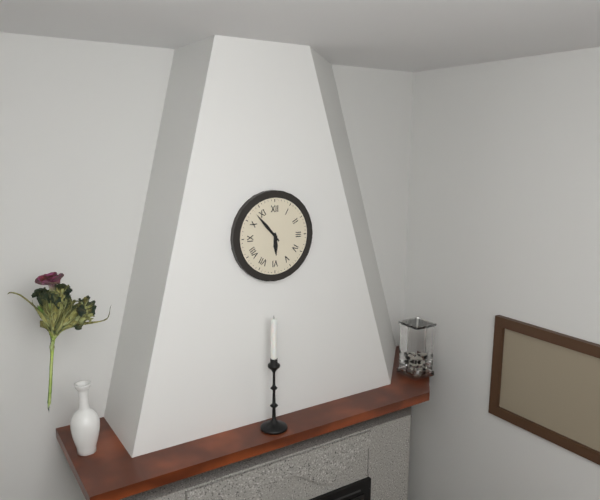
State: 5h53
